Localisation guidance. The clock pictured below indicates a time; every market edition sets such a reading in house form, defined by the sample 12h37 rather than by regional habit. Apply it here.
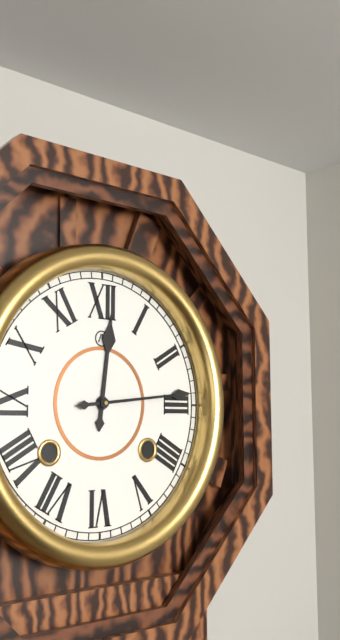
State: 12h14
